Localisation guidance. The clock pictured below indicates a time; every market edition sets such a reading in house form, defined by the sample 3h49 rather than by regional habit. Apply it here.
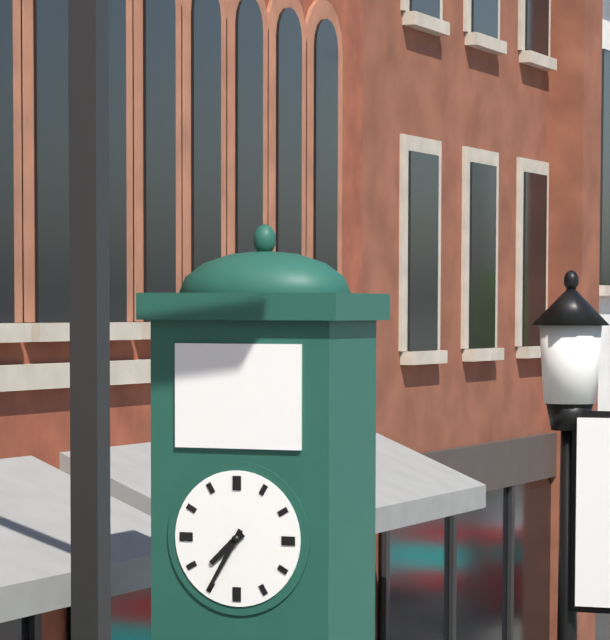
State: 7h35
